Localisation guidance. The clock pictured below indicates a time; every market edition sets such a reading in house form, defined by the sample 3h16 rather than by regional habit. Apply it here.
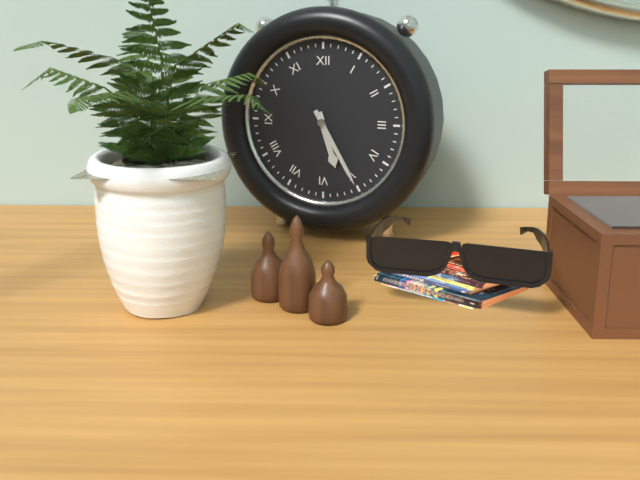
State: 5h25
